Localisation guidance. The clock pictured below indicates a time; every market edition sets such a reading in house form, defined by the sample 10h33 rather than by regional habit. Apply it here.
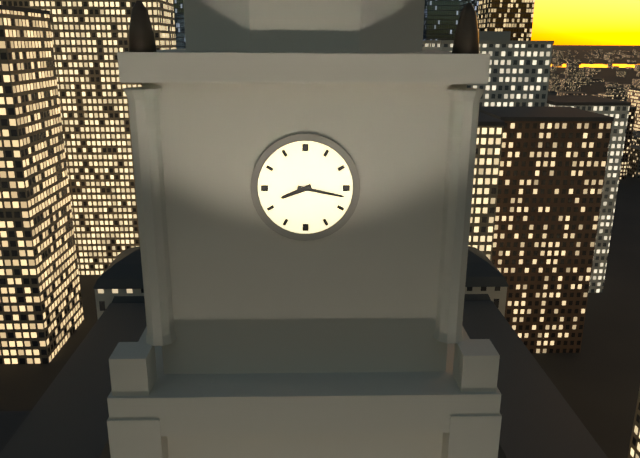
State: 8h17
